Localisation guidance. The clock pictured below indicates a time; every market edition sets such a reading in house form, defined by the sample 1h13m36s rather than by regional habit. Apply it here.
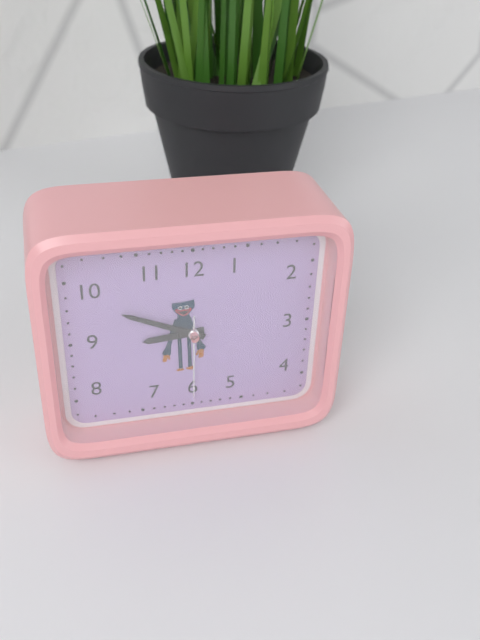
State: 8h49m30s
